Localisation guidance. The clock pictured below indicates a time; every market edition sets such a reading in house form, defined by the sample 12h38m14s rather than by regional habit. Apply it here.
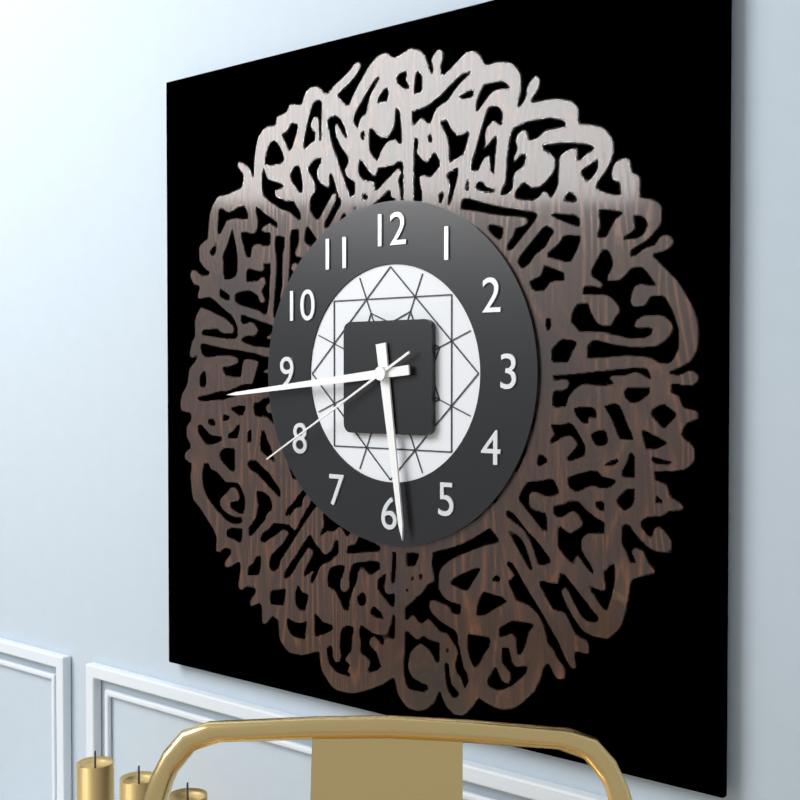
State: 5h44m40s
